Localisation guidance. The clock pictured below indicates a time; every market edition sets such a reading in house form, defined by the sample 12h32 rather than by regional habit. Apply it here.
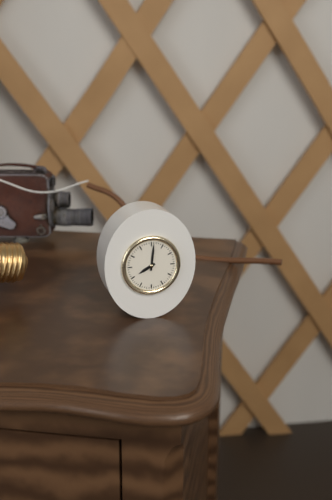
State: 8h01
